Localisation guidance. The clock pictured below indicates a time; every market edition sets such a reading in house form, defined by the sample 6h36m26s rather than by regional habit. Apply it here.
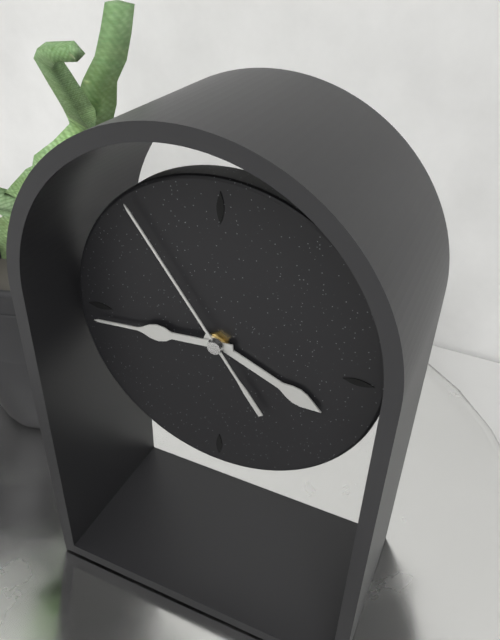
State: 3h44m54s
